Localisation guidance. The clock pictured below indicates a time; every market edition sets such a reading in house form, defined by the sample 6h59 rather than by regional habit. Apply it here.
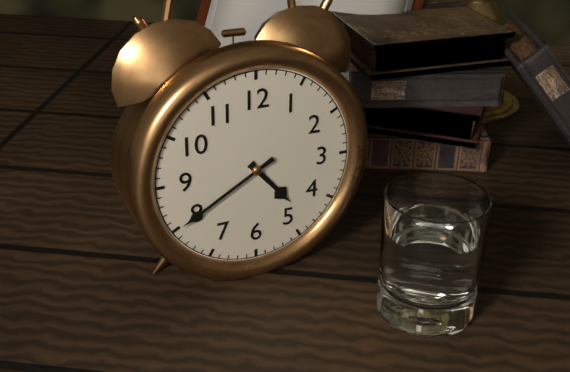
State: 4h40
